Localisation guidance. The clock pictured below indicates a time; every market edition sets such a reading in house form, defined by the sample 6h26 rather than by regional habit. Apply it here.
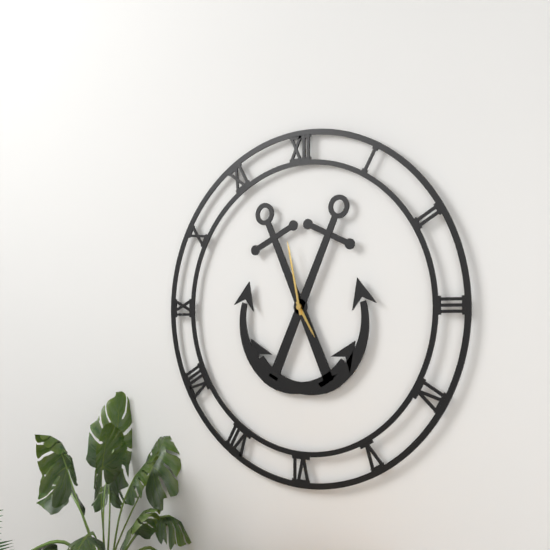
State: 4h58
